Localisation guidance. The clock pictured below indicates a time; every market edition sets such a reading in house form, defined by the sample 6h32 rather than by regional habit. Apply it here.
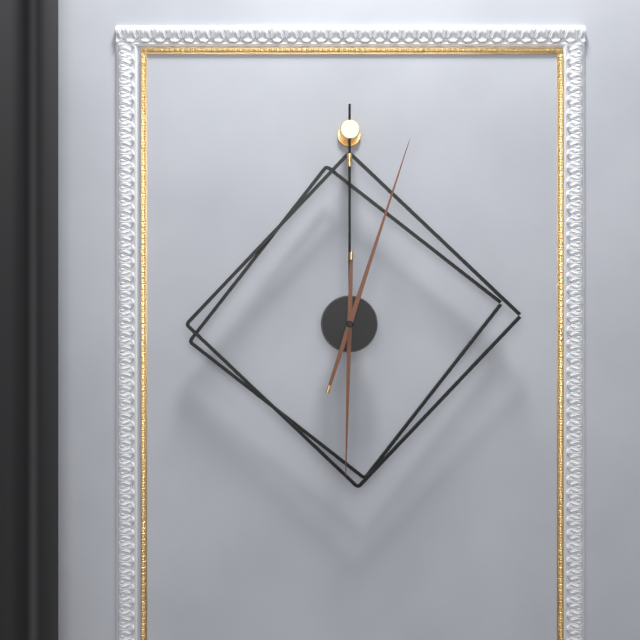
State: 6h03
